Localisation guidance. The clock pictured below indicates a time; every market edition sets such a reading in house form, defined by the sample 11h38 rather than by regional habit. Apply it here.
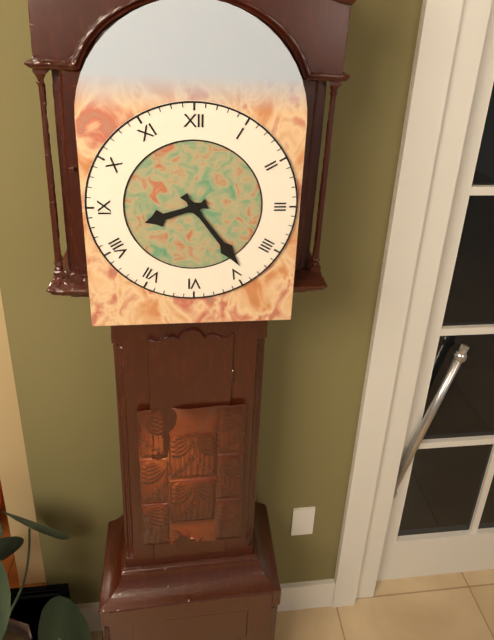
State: 8h24
